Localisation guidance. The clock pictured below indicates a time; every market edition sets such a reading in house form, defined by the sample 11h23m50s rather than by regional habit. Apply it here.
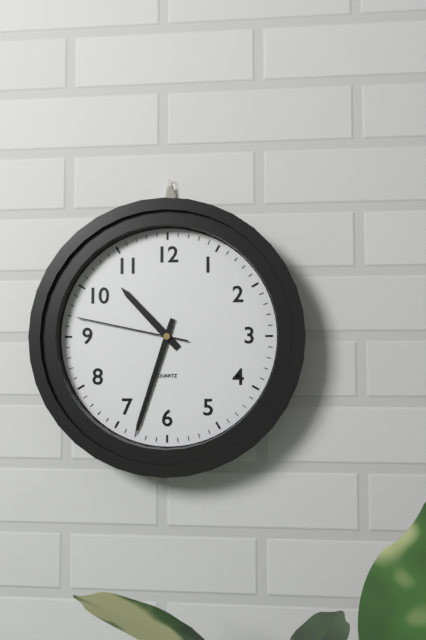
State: 10h33m47s
